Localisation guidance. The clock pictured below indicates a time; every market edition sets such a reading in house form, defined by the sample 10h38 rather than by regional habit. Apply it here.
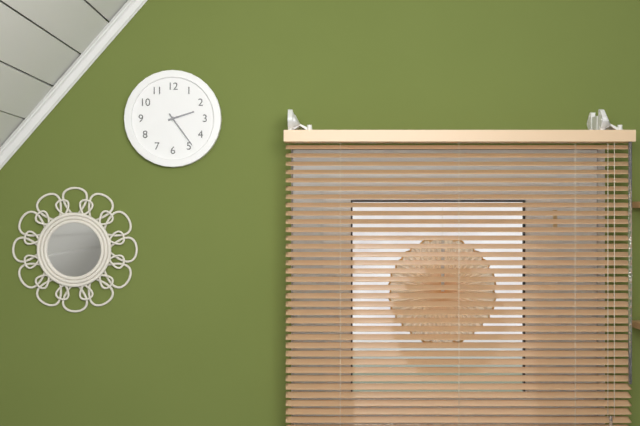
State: 2h24
